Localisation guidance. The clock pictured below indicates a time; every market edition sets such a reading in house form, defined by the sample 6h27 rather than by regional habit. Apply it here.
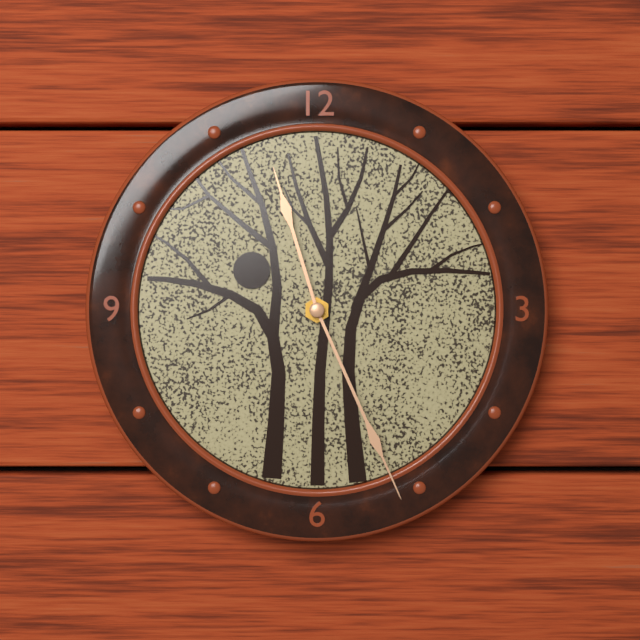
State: 11h26
